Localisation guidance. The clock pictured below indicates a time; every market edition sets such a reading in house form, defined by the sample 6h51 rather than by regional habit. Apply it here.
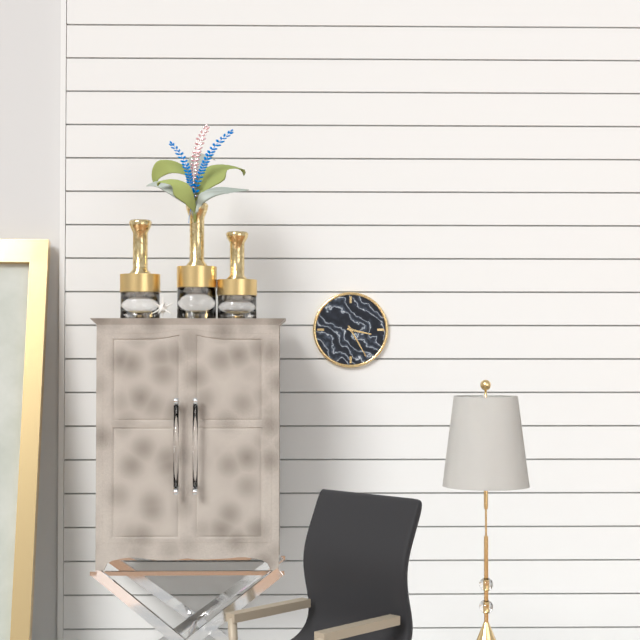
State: 3h25
